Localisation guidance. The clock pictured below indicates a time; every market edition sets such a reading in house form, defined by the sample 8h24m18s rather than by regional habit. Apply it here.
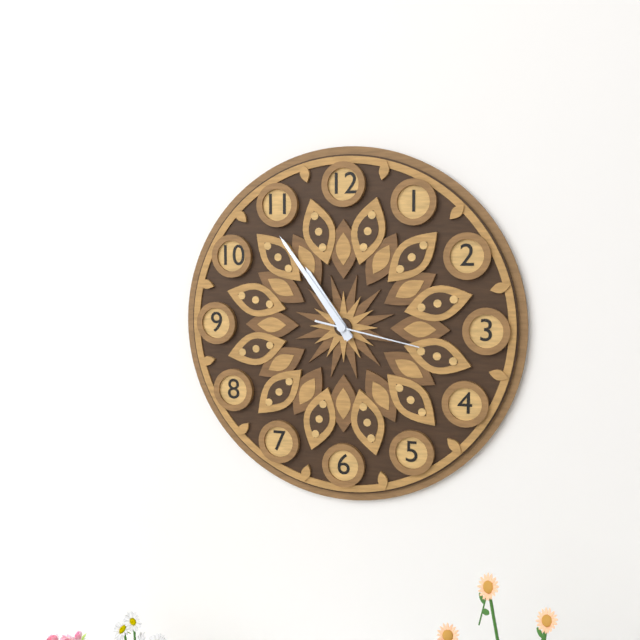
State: 10h54m17s
